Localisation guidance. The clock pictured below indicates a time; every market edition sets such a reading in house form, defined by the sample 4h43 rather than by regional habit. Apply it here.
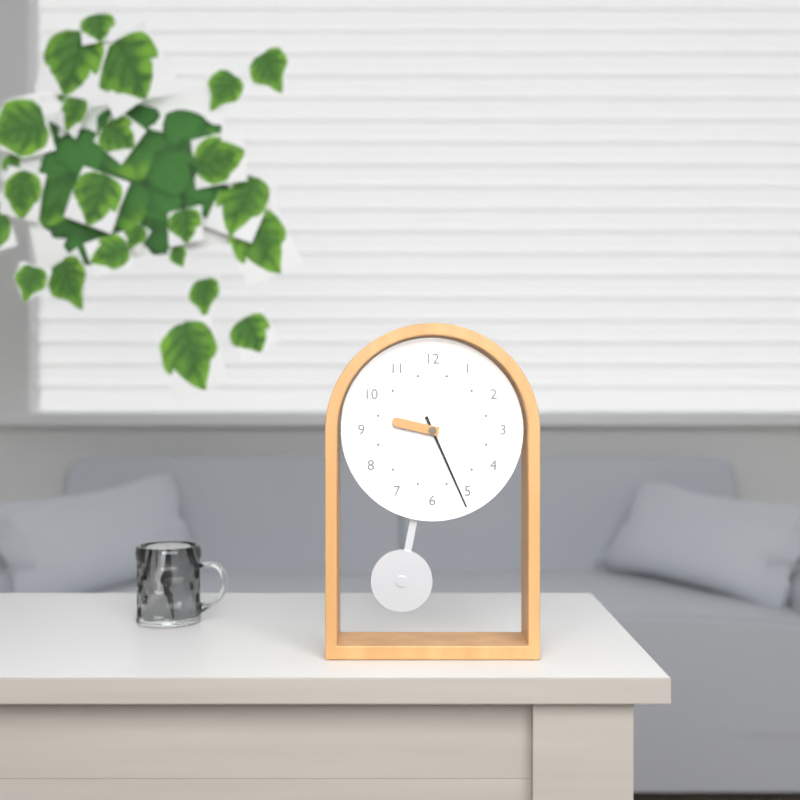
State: 9h26
